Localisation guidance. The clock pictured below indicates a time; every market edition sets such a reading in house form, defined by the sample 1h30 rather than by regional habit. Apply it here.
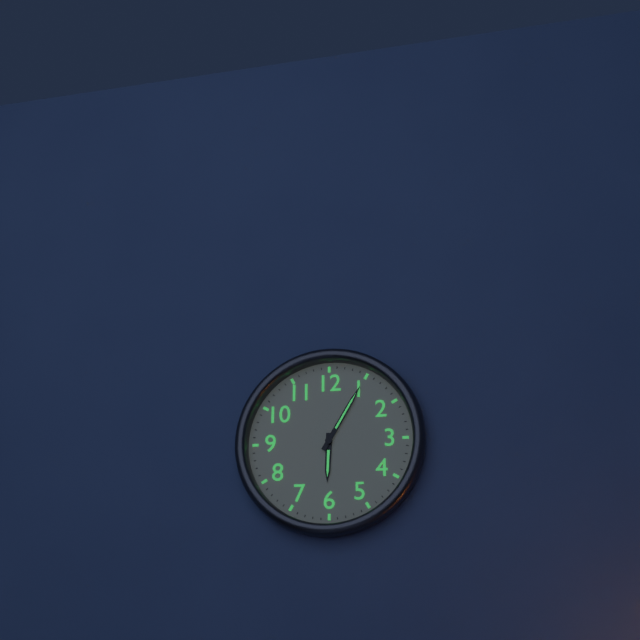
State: 6h05
